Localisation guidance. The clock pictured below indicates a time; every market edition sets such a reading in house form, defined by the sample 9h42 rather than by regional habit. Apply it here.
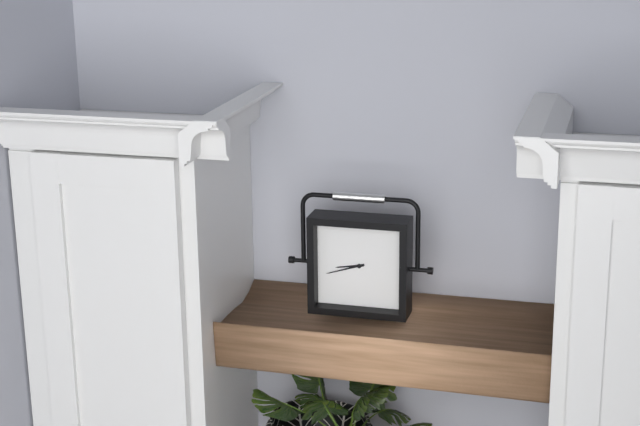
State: 8h42
